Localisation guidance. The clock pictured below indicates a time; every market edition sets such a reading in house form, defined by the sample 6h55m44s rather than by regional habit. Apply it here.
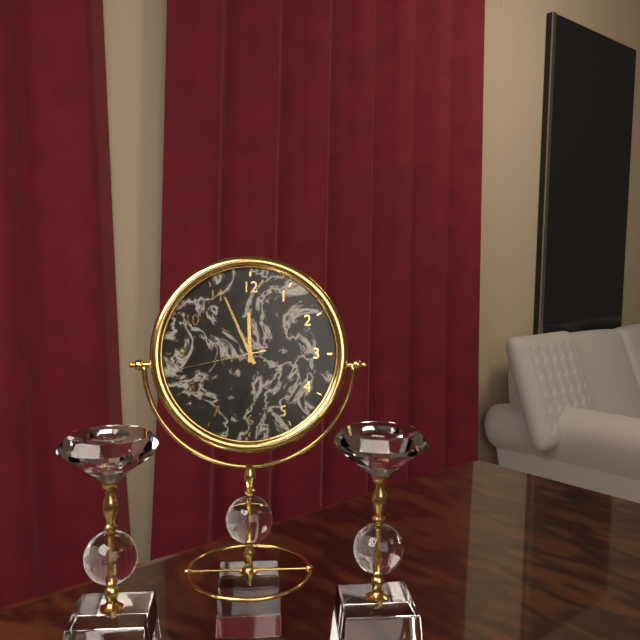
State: 11h56m43s
